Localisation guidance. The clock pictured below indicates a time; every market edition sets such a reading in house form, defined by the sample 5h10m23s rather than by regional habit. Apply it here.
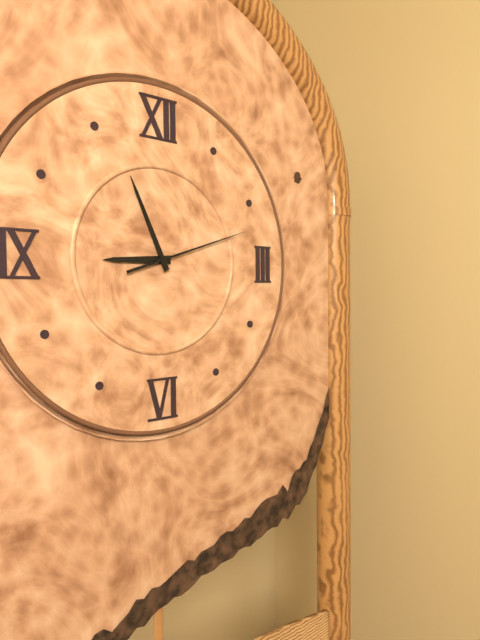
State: 8h56m12s
